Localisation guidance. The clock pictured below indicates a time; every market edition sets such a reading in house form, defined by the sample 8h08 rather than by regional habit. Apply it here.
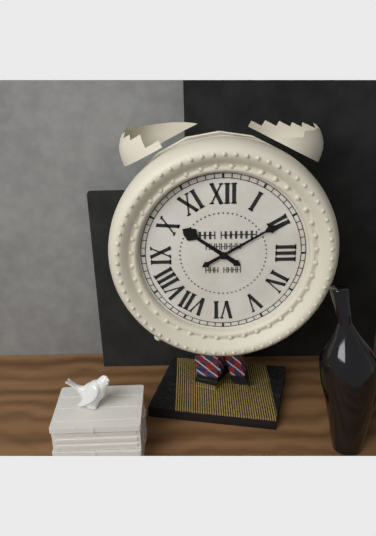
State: 10h10
